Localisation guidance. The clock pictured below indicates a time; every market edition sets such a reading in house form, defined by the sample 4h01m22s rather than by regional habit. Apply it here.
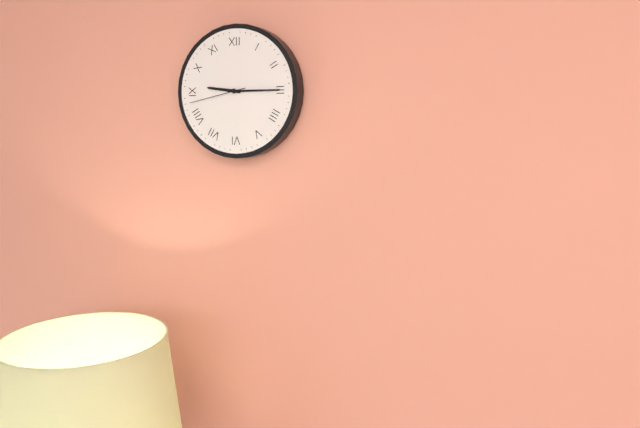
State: 9h15m43s
